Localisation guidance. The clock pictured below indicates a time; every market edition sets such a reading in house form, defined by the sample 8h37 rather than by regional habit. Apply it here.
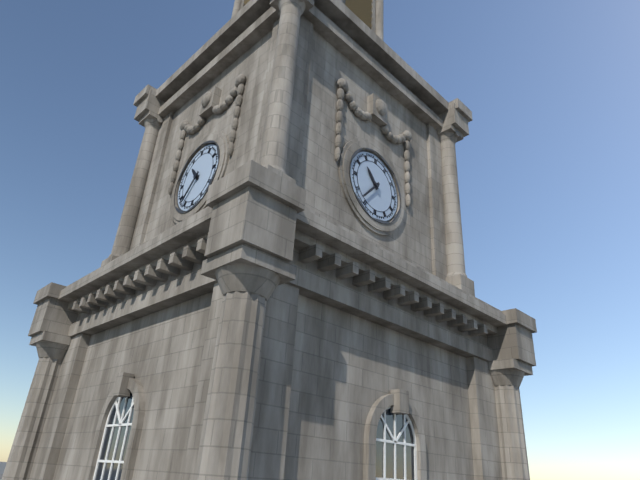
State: 10h37
